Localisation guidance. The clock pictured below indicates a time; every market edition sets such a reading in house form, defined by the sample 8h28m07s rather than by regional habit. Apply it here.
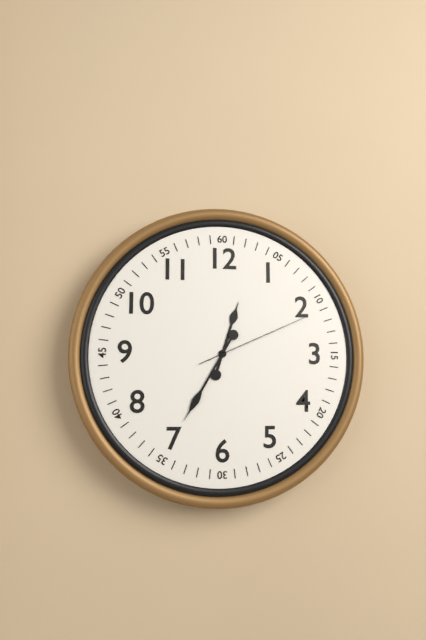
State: 12h35m11s
